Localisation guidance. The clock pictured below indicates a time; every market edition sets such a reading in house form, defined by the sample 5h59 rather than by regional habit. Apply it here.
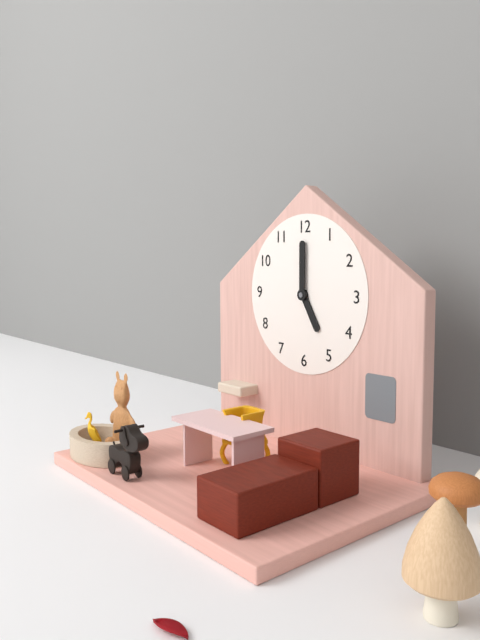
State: 5h00
